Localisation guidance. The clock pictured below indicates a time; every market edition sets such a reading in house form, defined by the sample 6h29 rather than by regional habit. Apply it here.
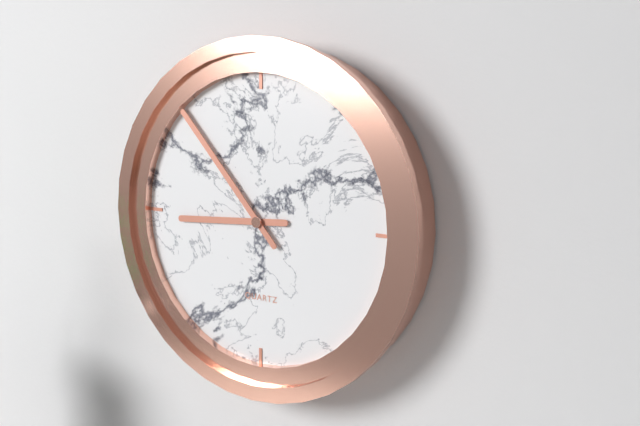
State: 8h53
